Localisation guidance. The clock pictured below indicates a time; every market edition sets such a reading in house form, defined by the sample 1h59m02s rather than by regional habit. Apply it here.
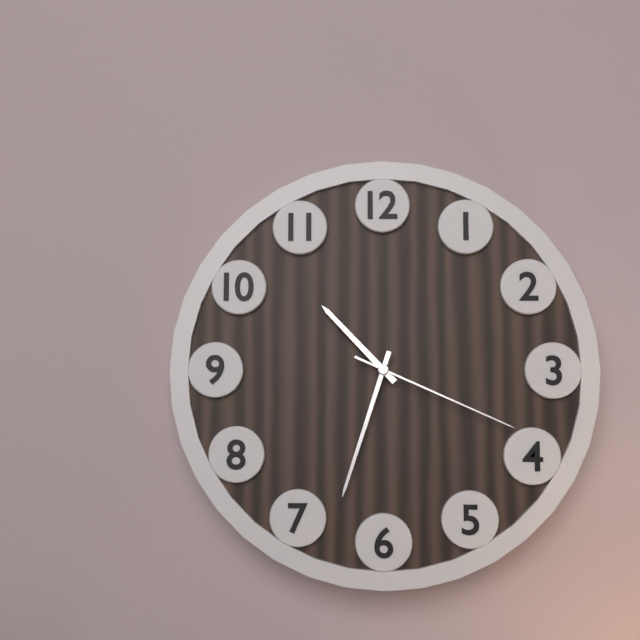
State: 10h33m19s
